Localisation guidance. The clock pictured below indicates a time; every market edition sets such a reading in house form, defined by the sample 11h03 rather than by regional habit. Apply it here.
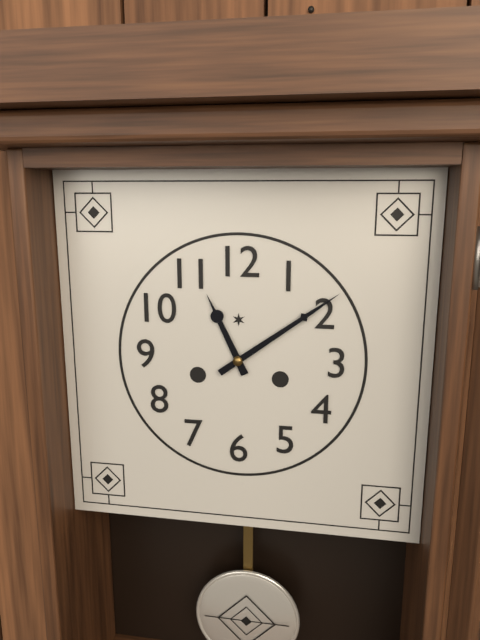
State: 11h09
